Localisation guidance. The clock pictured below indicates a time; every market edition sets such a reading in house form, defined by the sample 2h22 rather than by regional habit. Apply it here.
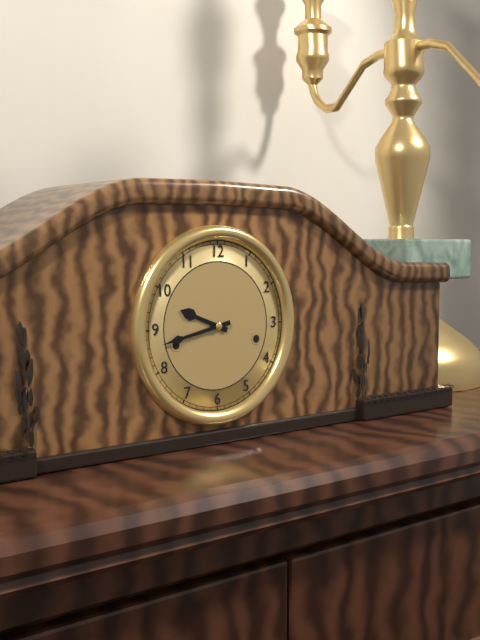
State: 9h43
